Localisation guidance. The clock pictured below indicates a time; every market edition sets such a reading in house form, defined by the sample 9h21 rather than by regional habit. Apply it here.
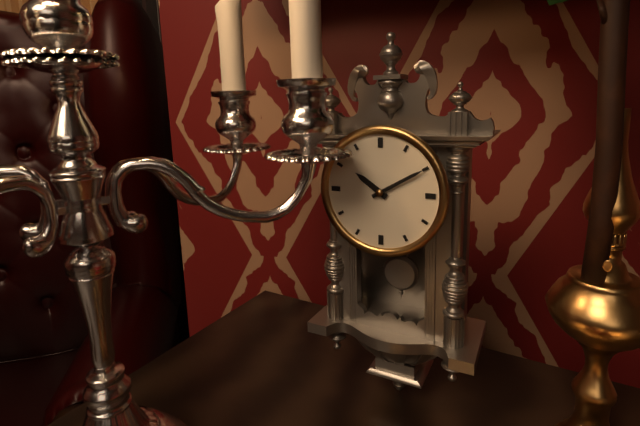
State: 10h10
